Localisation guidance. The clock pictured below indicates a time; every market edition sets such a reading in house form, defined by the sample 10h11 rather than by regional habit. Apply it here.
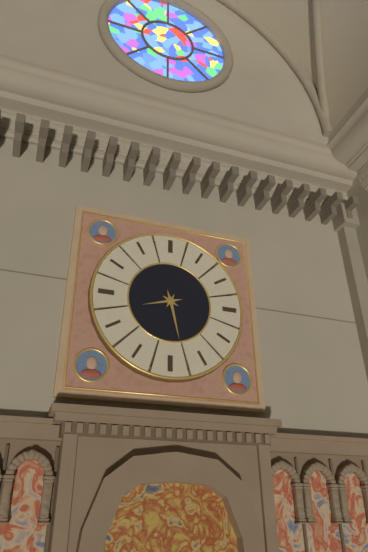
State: 8h28
